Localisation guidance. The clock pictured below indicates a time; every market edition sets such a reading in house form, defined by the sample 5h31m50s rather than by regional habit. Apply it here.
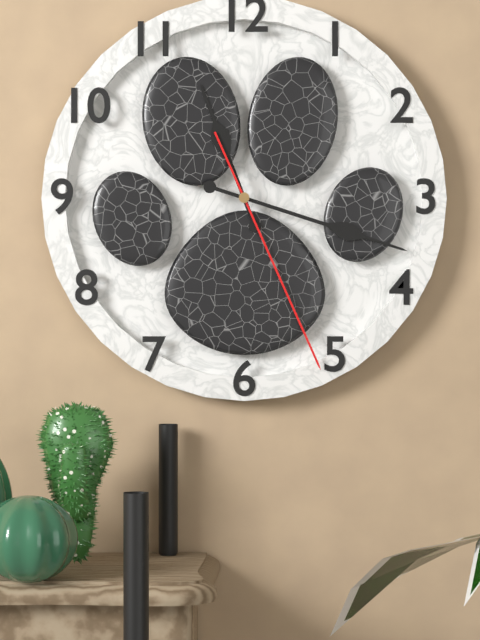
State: 11h18m26s
